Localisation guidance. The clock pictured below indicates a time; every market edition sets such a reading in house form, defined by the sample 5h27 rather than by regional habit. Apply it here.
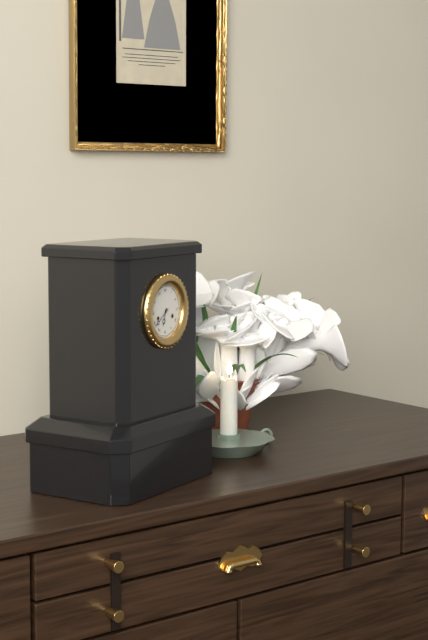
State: 6h39
